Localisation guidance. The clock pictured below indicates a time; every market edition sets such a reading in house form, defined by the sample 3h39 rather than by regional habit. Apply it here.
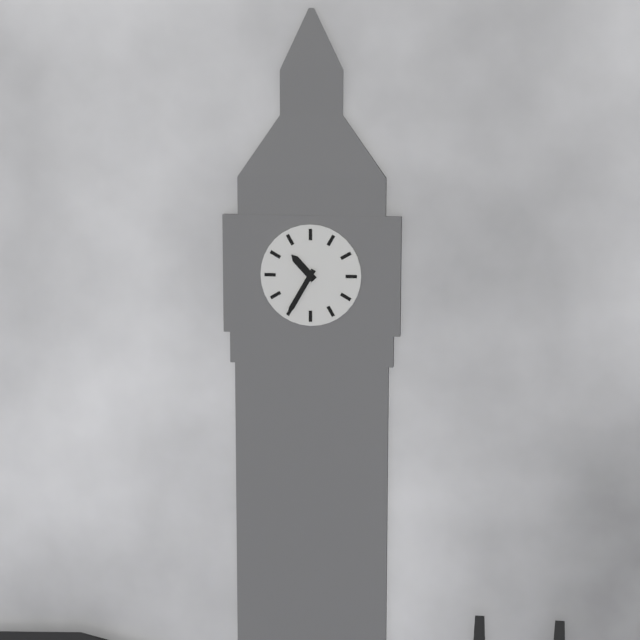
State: 10h35
